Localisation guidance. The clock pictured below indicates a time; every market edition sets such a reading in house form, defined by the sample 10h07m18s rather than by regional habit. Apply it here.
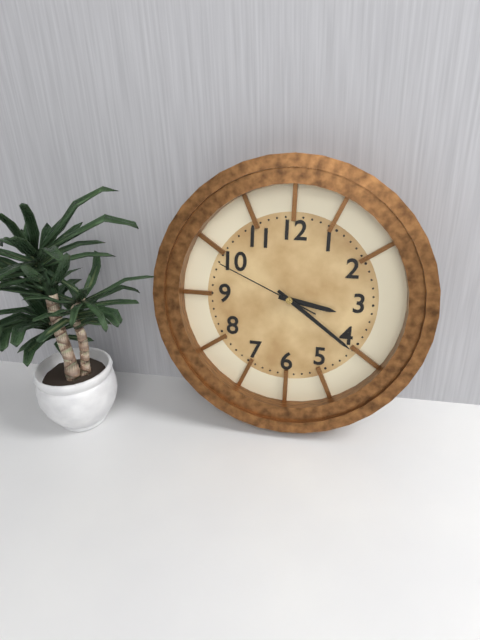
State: 3h21m49s
